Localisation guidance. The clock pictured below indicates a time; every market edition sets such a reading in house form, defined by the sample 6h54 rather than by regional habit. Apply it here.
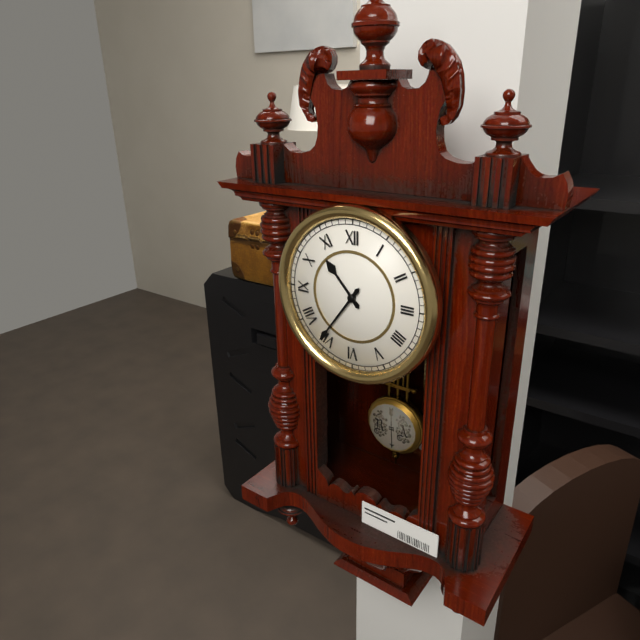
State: 10h36
